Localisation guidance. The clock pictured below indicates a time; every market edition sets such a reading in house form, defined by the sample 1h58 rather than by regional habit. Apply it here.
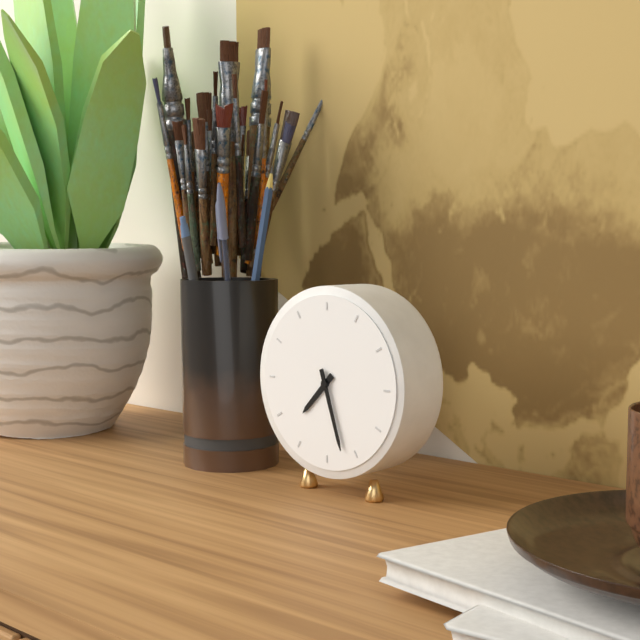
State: 7h27
